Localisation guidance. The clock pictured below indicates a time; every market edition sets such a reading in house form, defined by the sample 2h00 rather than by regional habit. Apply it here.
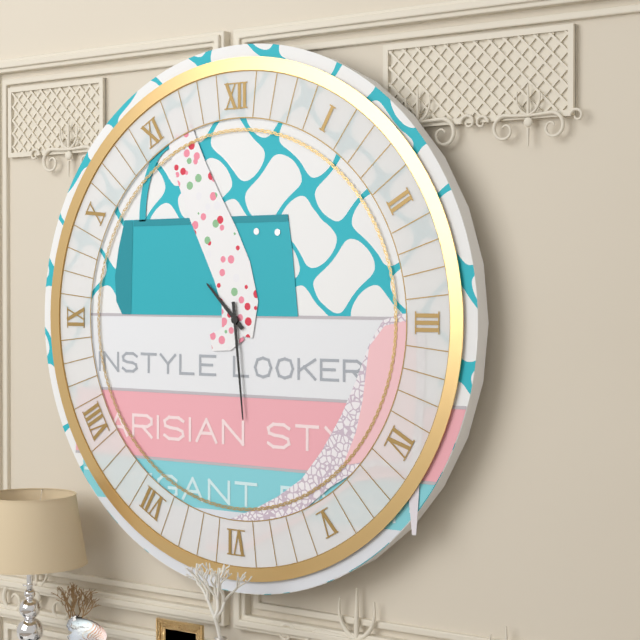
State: 10h29
